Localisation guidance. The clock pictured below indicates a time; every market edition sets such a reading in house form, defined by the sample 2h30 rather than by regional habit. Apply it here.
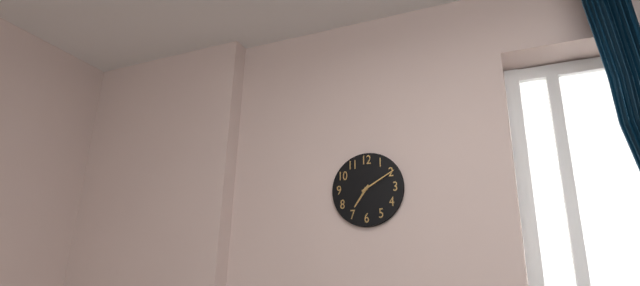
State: 7h10
